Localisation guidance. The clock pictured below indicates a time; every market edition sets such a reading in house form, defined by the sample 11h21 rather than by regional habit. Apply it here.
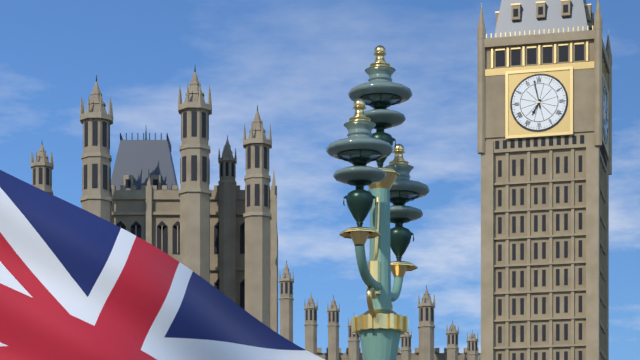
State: 6h58
